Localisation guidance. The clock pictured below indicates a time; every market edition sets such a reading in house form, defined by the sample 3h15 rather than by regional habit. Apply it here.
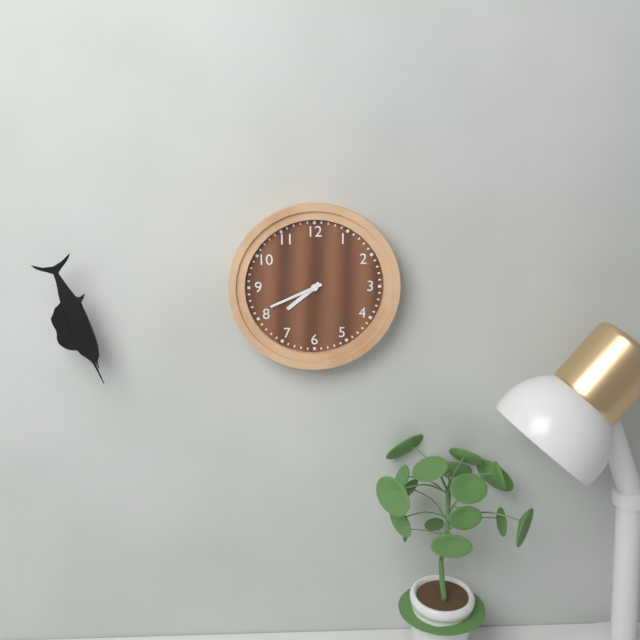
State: 7h41
